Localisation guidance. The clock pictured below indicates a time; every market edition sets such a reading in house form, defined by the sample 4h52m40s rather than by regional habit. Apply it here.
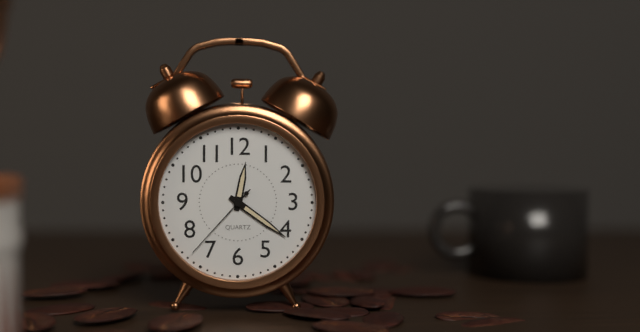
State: 12h21m37s
